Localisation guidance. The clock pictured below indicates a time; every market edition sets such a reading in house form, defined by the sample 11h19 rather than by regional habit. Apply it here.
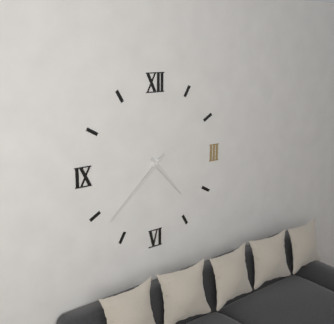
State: 4h38
